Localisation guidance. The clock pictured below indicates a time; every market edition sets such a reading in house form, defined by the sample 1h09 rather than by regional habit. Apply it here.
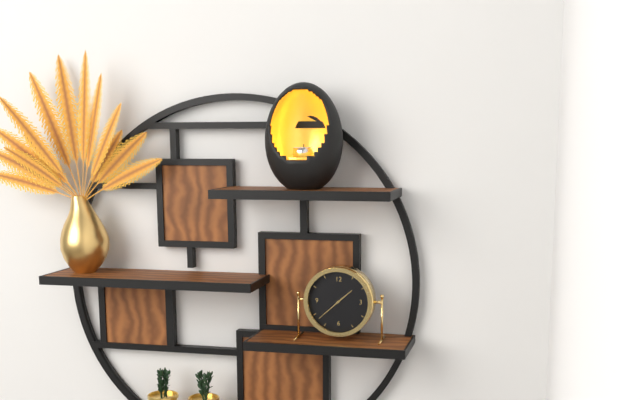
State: 1h38
